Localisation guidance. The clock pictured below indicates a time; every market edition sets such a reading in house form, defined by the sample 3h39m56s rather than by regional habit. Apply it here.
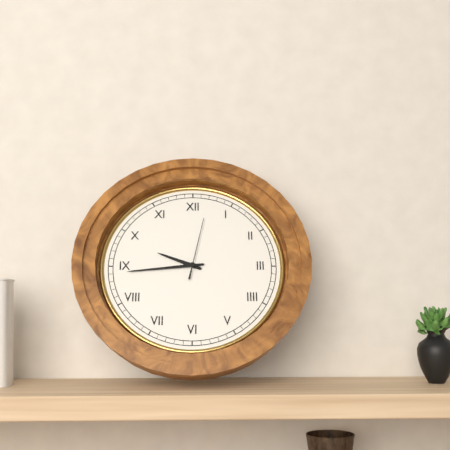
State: 9h44m02s
